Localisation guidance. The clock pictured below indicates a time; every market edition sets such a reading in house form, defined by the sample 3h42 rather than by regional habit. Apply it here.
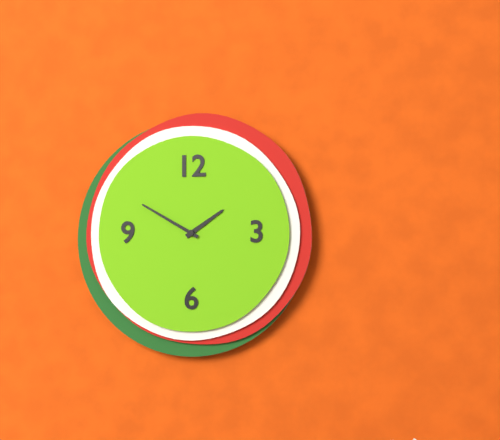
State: 1h50
